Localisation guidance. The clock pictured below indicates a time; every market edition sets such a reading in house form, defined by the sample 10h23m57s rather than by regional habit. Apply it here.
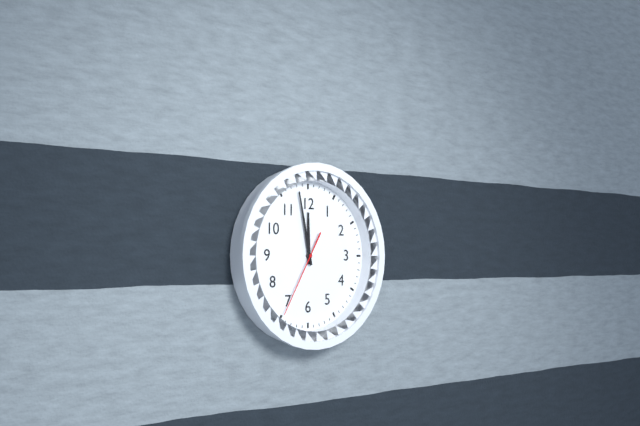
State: 11h58m35s
